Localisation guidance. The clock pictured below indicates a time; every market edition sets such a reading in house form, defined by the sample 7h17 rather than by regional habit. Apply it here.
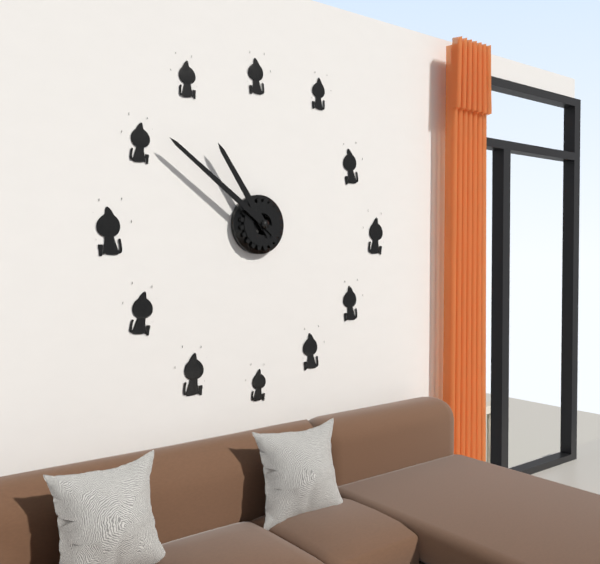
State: 10h51
